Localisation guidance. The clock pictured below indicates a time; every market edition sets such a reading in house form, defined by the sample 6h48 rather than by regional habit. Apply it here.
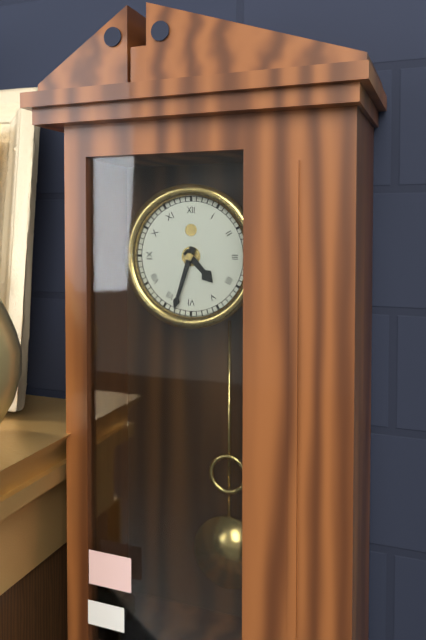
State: 4h33
